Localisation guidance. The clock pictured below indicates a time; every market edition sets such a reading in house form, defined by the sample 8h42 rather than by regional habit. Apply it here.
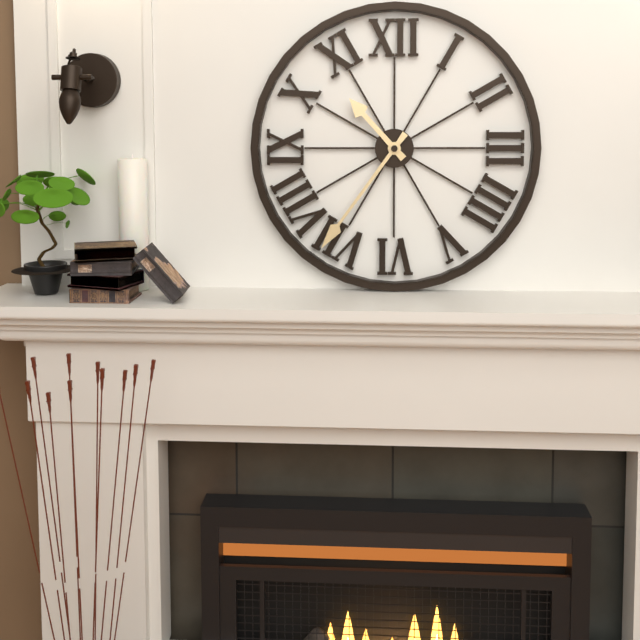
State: 10h36
